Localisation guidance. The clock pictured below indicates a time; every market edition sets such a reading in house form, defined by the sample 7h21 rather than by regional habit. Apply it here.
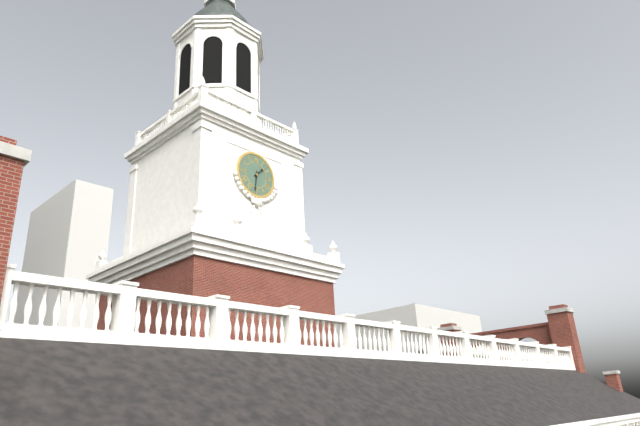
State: 1h31
